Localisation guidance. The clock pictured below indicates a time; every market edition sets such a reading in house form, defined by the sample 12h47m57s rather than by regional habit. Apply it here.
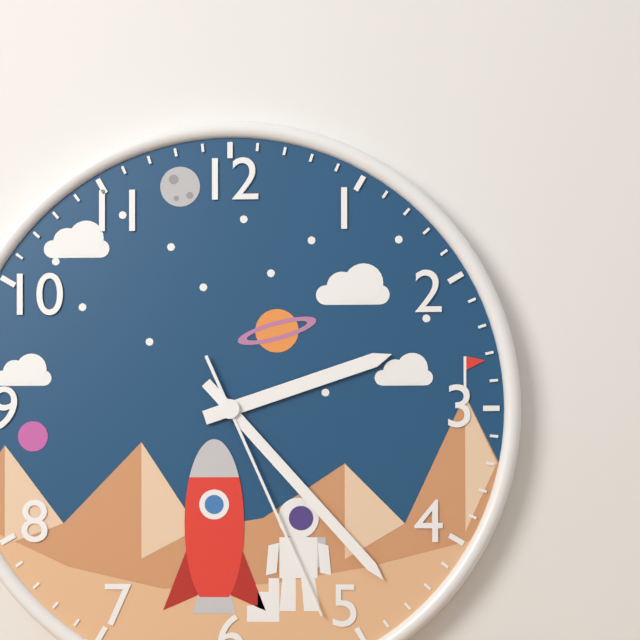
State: 2h23m26s
